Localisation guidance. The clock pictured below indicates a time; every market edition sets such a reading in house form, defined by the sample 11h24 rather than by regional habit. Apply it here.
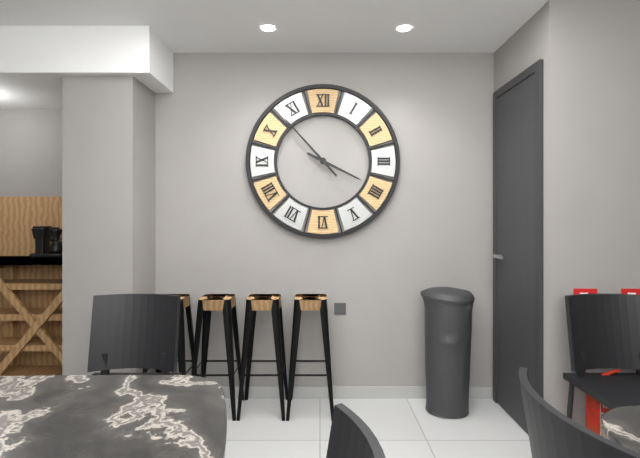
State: 3h53
